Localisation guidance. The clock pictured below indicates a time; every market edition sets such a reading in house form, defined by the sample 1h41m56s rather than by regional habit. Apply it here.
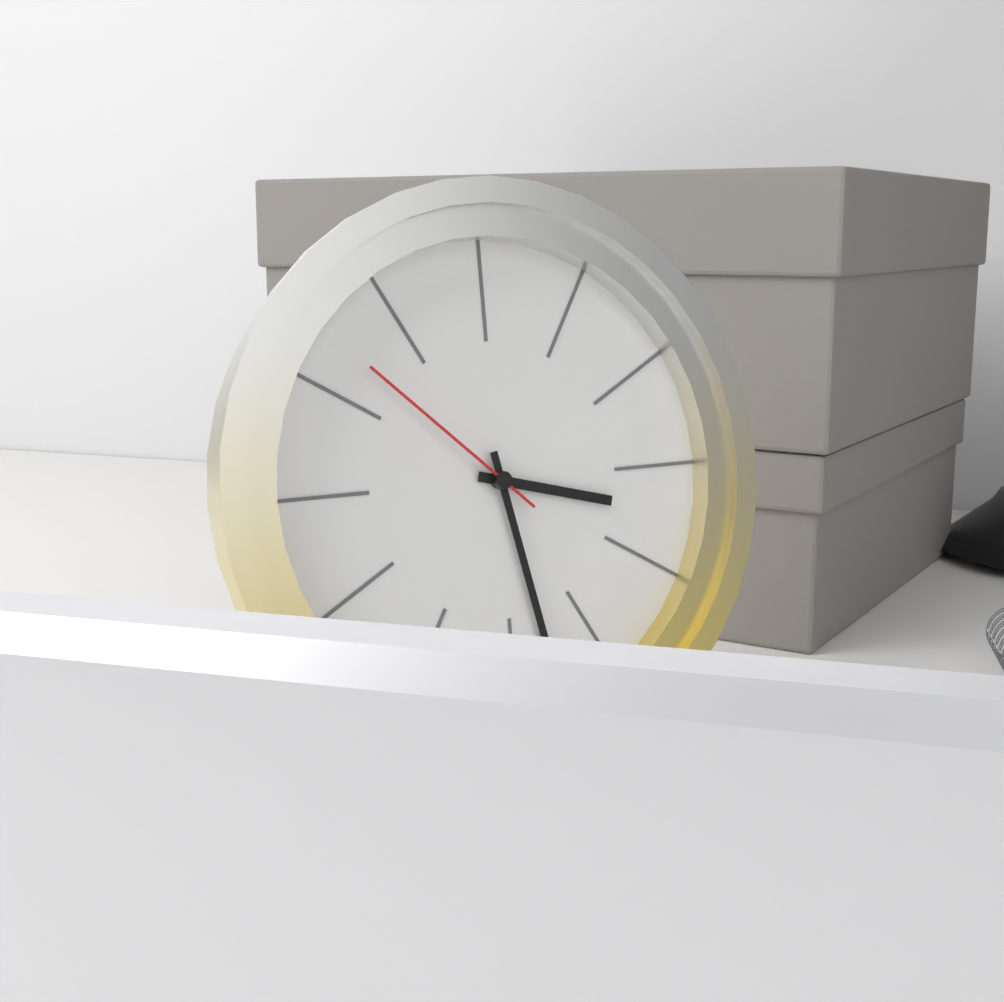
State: 3h28m52s
